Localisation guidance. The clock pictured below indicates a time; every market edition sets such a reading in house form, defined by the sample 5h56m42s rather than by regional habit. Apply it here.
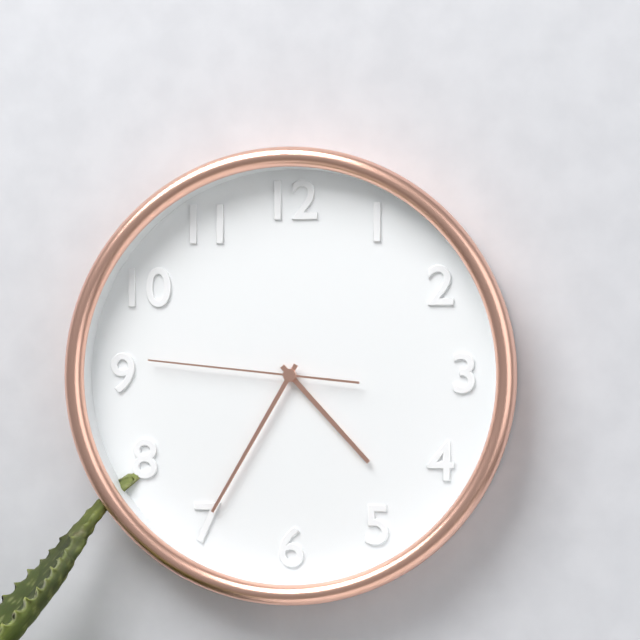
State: 4h35m46s
